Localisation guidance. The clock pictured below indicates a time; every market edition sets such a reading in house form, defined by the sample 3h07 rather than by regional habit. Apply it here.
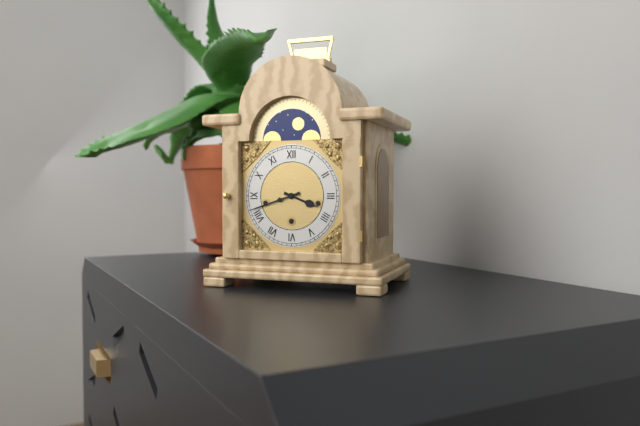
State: 3h42
